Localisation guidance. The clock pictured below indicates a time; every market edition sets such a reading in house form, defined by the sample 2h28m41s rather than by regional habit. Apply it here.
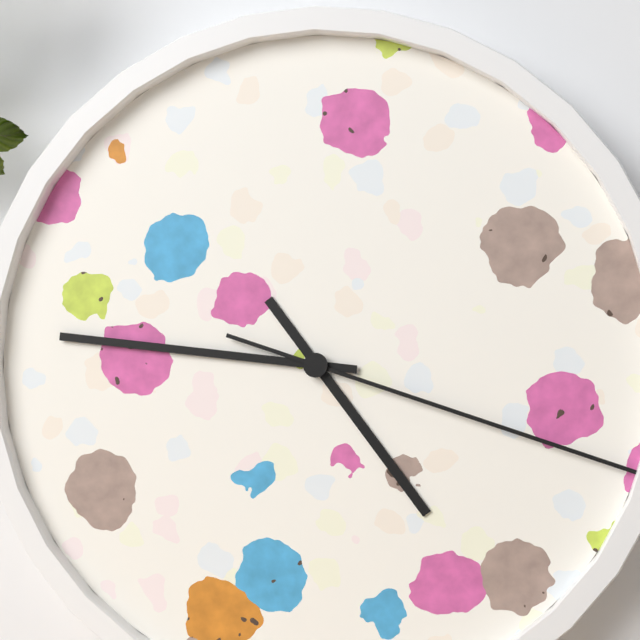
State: 4h46m18s
